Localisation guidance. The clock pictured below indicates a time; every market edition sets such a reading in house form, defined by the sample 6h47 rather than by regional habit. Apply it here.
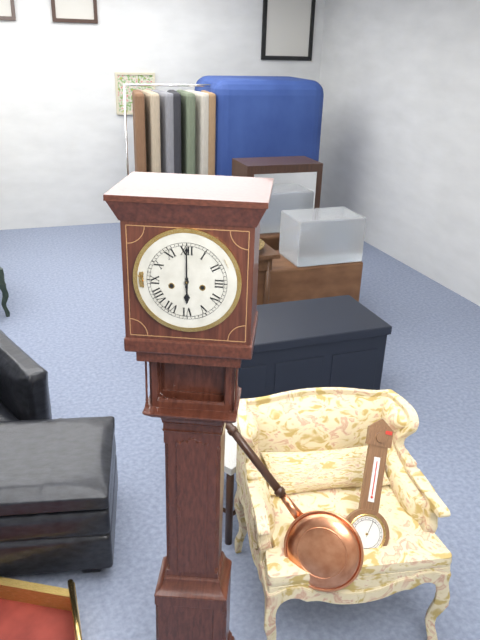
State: 6h00
